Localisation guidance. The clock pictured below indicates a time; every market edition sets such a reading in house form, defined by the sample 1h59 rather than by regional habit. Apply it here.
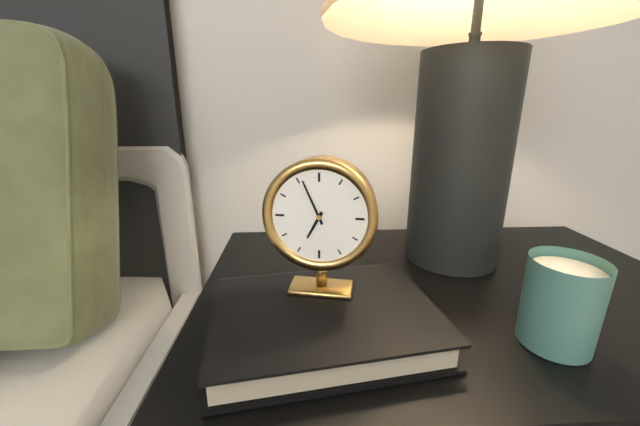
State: 6h56
